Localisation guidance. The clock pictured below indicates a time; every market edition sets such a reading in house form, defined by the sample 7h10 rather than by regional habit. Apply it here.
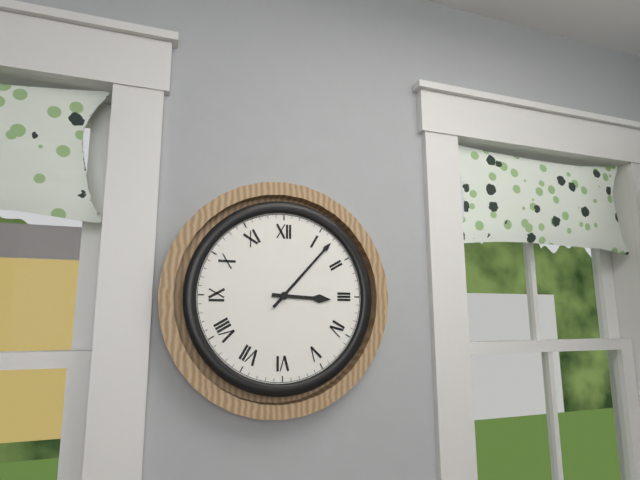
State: 3h07
